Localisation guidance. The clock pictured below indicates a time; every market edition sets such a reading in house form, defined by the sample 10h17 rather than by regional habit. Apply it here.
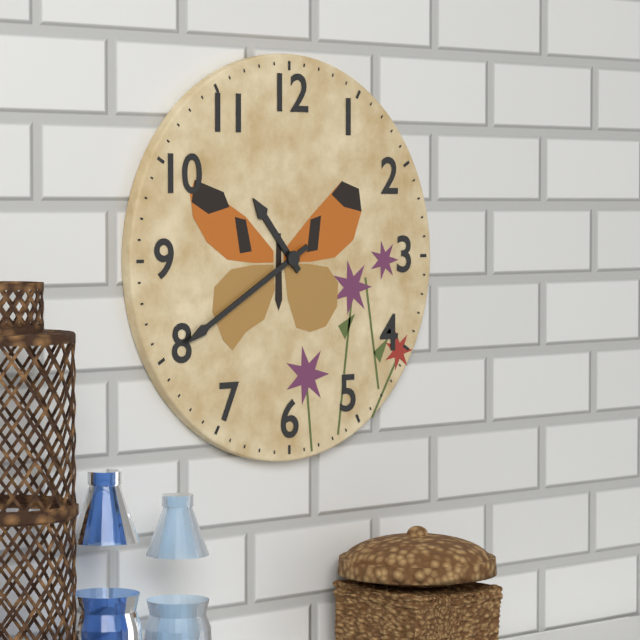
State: 10h40
